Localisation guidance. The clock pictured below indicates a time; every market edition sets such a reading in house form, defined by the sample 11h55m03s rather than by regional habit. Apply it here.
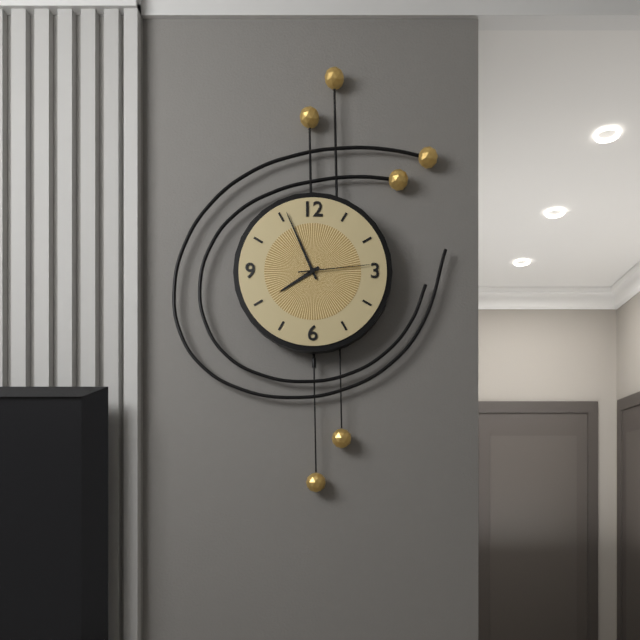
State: 7h56m14s
